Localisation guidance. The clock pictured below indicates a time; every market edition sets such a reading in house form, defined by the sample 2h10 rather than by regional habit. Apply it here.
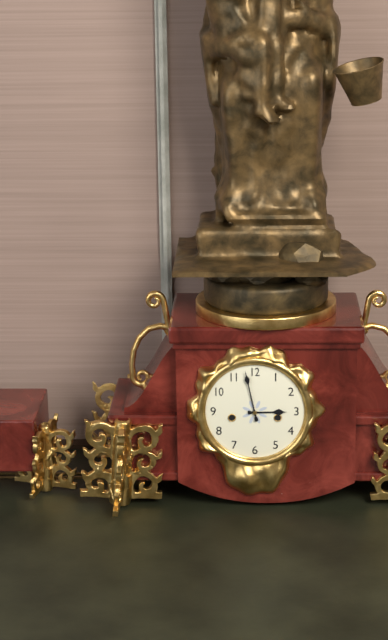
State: 2h58
